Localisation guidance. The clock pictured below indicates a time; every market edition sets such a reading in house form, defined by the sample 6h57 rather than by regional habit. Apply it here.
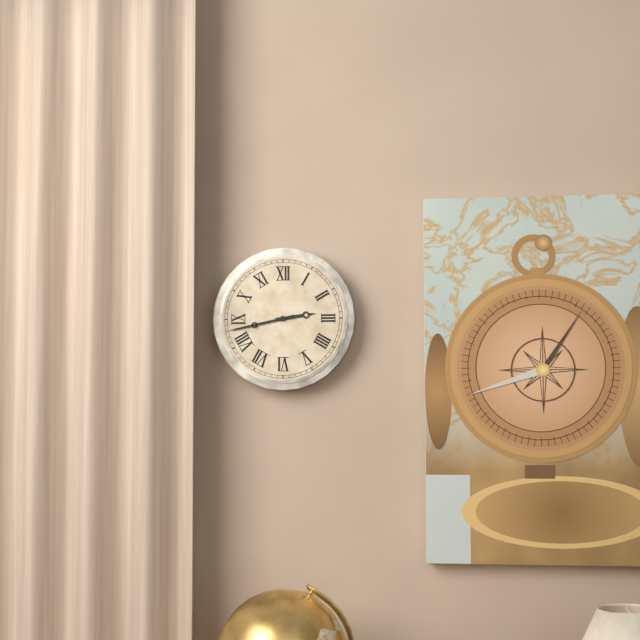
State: 2h43
